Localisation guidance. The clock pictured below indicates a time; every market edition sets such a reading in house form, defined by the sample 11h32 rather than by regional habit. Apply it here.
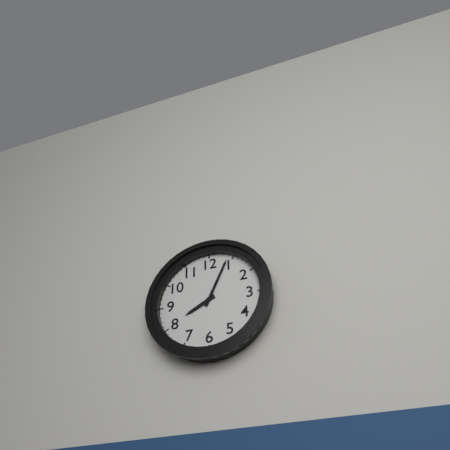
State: 8h04
